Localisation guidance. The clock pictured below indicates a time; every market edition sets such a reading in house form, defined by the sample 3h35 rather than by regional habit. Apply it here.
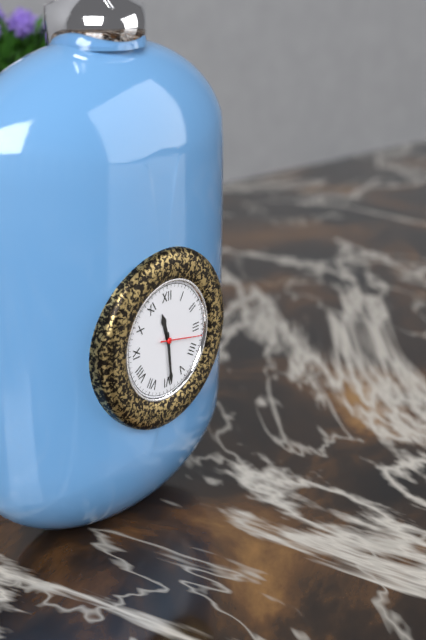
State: 11h29
